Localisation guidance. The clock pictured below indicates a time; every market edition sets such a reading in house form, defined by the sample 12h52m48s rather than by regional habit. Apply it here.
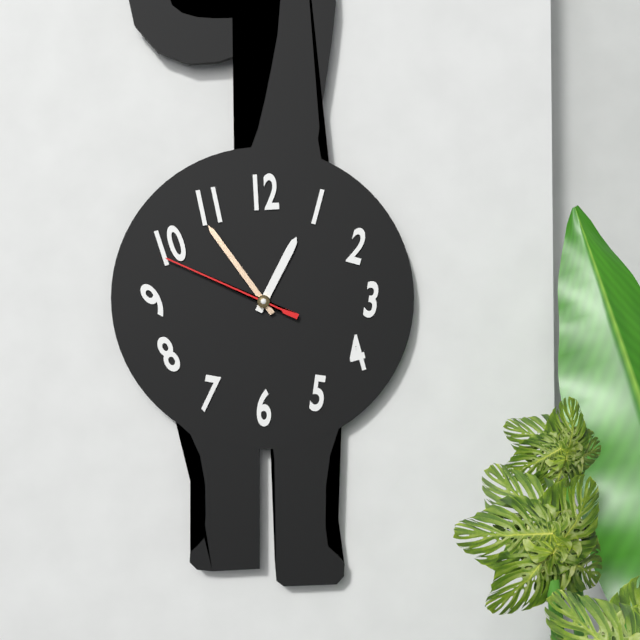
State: 12h54m49s
